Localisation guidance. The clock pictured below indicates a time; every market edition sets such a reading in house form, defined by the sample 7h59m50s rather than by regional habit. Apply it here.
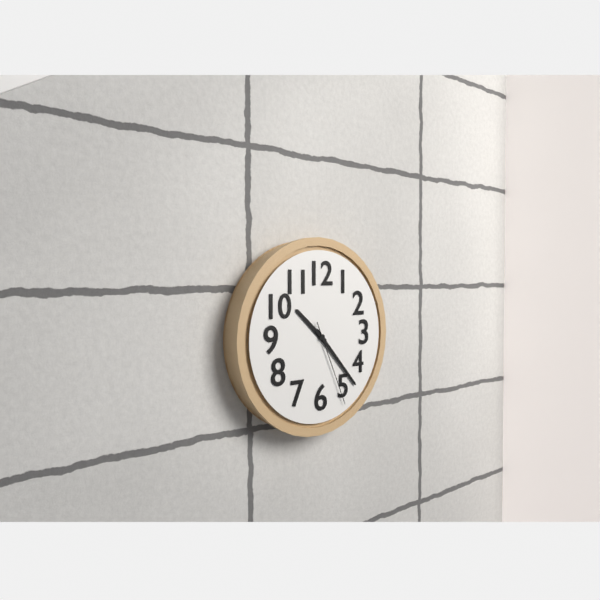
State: 10h23m26s
